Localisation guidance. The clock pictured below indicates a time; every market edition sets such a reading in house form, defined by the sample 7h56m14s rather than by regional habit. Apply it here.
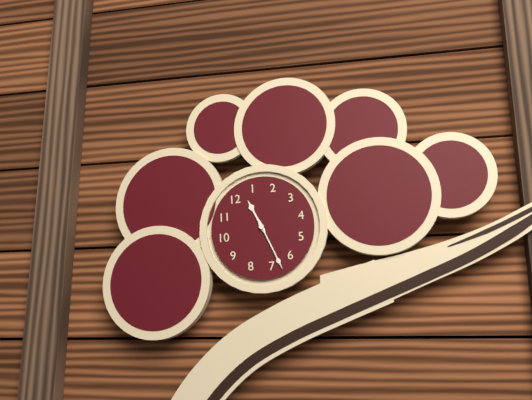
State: 12h33m33s
